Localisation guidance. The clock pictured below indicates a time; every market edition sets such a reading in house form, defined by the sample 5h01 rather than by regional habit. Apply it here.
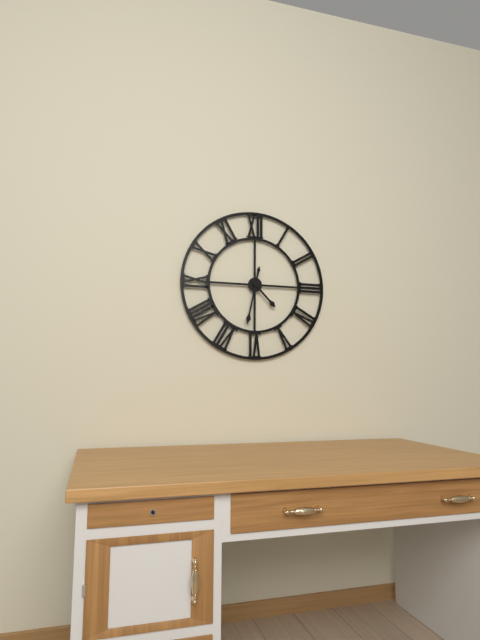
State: 4h32
